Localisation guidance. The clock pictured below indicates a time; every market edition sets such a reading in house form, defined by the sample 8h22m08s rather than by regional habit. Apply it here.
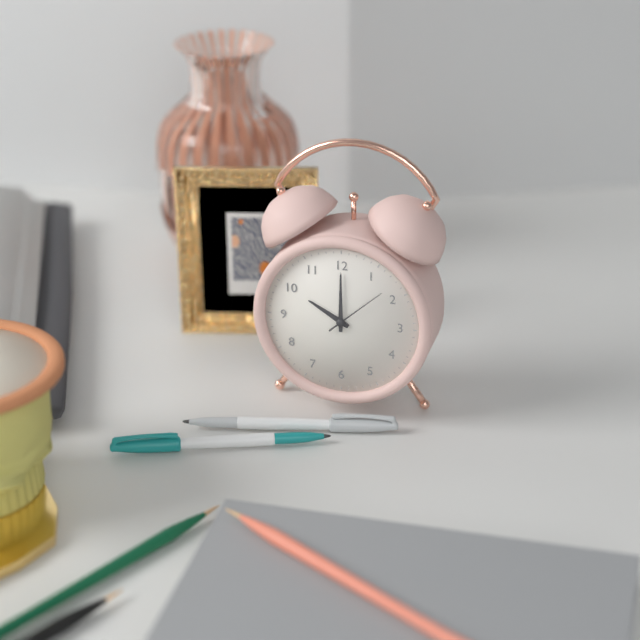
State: 10h00m08s
